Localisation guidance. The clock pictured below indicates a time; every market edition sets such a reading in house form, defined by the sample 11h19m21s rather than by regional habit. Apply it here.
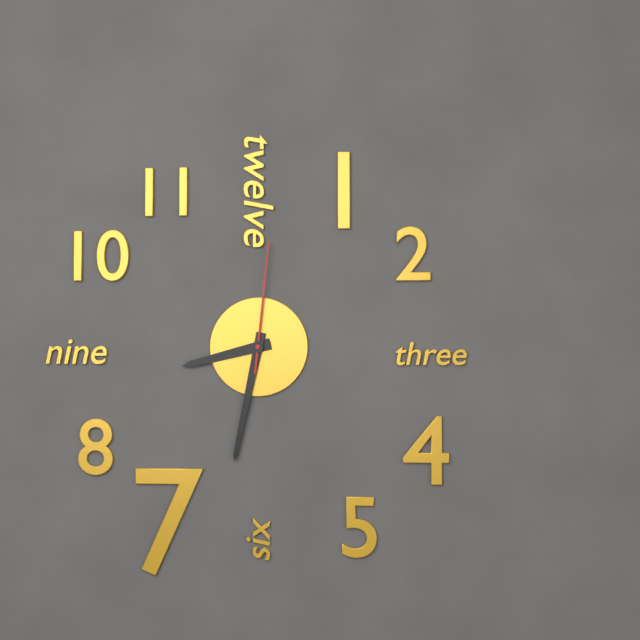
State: 8h32m01s
